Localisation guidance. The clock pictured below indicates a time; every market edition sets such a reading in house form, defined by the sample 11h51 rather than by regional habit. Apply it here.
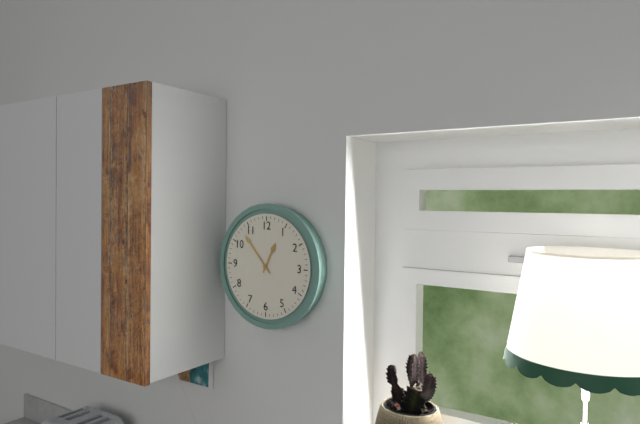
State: 12h53
